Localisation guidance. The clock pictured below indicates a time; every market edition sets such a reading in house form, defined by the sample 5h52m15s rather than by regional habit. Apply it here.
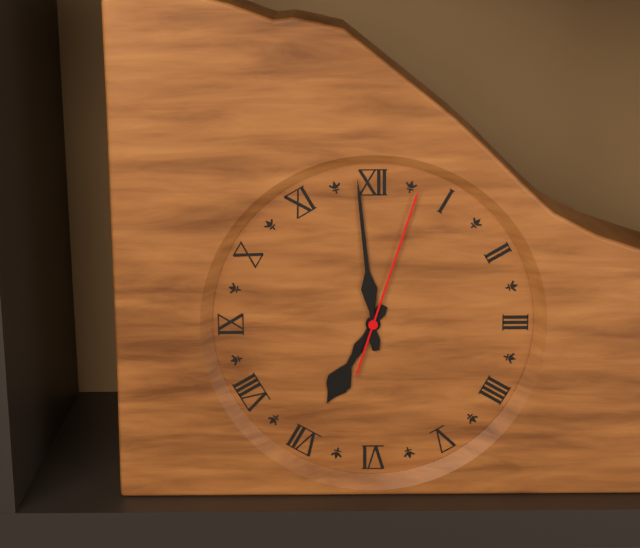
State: 6h59m03s
